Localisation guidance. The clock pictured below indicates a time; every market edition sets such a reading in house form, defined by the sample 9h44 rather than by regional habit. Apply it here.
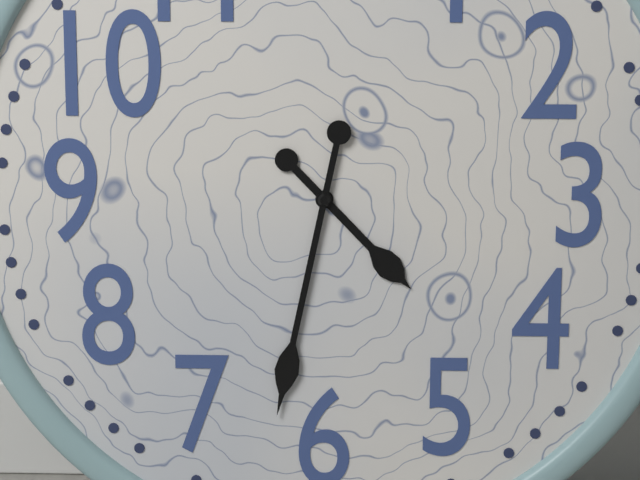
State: 4h32
